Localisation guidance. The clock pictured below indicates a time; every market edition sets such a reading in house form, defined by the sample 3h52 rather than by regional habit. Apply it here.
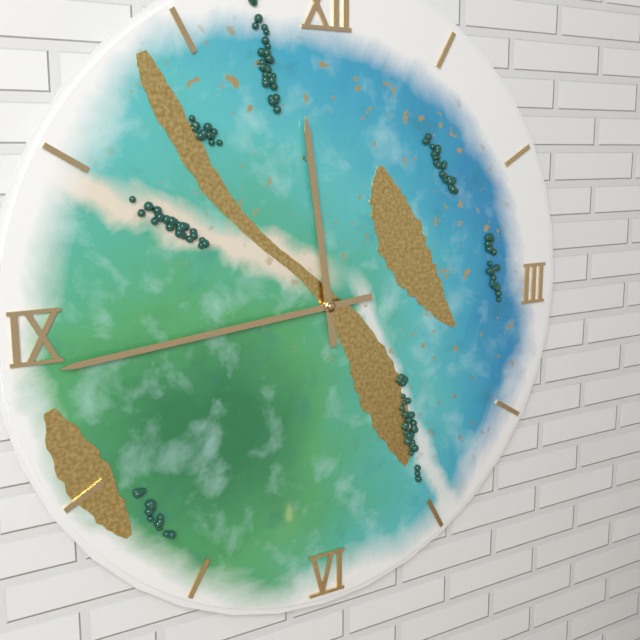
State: 11h44
